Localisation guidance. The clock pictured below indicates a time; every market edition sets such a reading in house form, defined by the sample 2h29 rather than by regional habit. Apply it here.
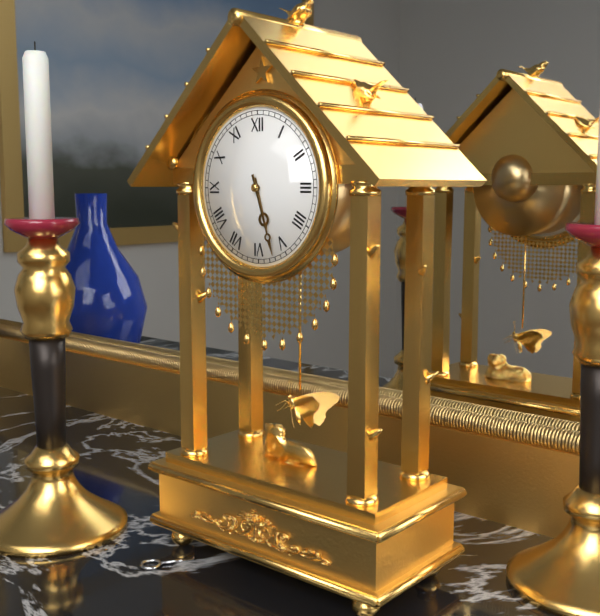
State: 5h27
